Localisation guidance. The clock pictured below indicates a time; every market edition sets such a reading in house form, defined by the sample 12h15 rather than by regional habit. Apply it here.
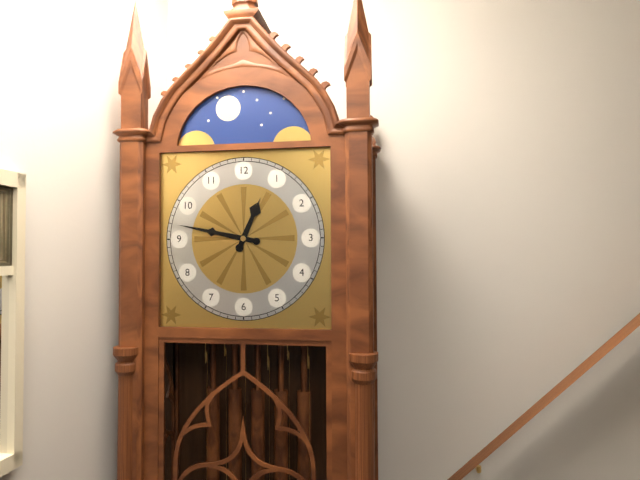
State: 12h47
